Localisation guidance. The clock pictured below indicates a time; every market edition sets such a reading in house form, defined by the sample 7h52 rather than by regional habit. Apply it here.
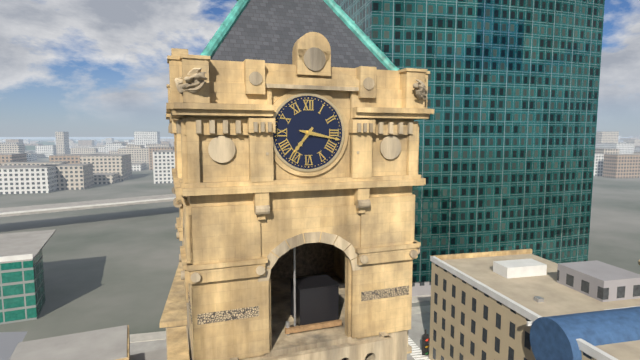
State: 7h17
